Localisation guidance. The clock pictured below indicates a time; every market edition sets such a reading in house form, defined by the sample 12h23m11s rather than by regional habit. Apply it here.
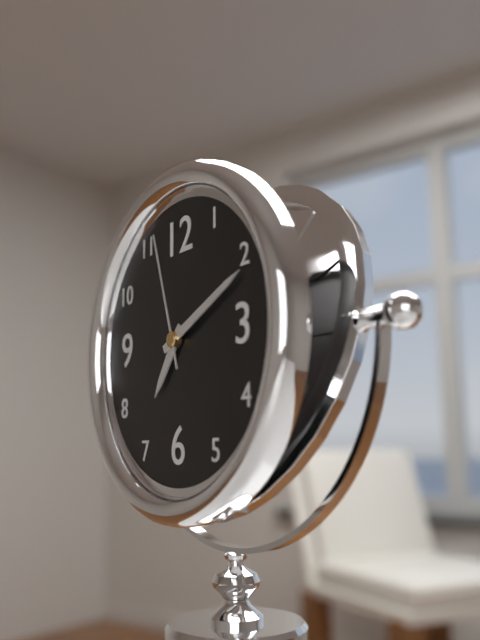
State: 7h11m57s
